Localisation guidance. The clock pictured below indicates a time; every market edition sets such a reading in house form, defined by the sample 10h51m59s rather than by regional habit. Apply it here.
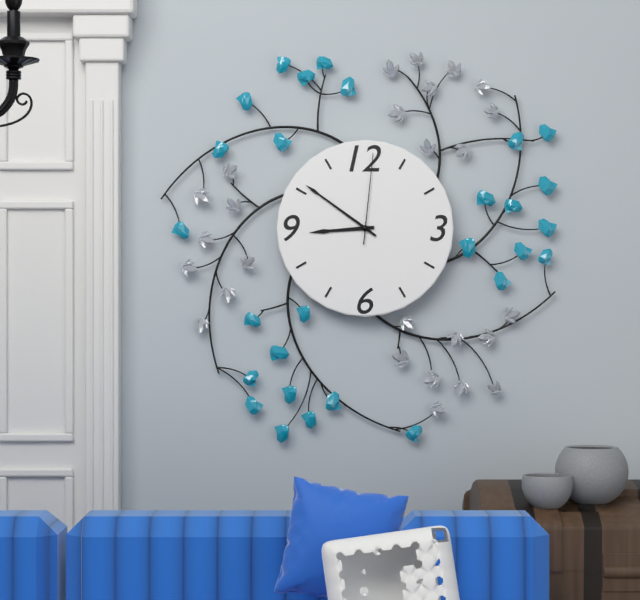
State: 8h51m01s
